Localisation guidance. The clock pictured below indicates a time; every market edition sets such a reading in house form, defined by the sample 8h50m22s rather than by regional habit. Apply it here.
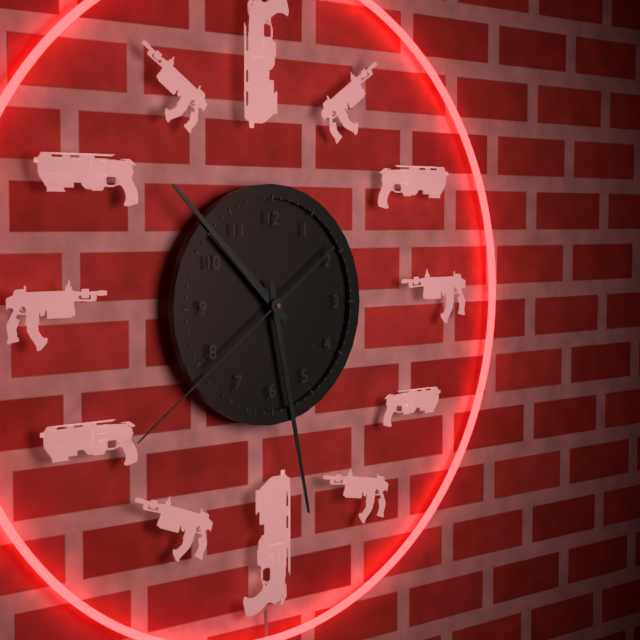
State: 10h28m39s
